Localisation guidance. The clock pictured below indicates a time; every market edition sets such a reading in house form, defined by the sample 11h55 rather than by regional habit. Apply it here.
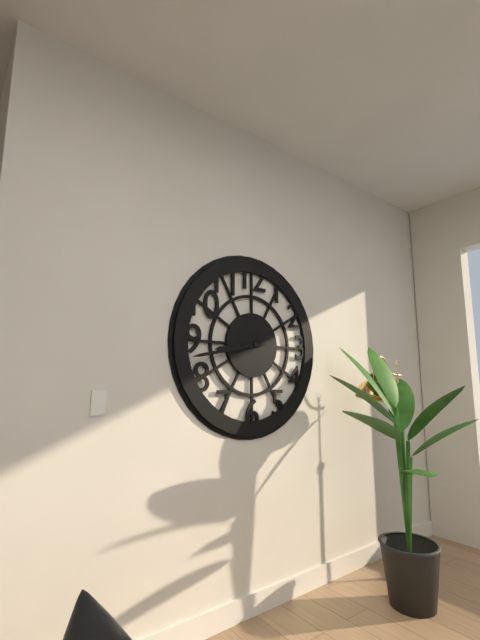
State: 8h43
